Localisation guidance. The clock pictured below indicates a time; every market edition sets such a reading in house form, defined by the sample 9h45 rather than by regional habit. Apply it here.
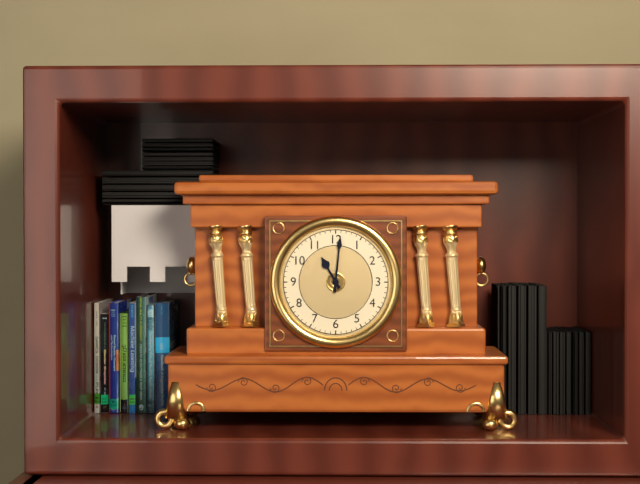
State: 11h01
